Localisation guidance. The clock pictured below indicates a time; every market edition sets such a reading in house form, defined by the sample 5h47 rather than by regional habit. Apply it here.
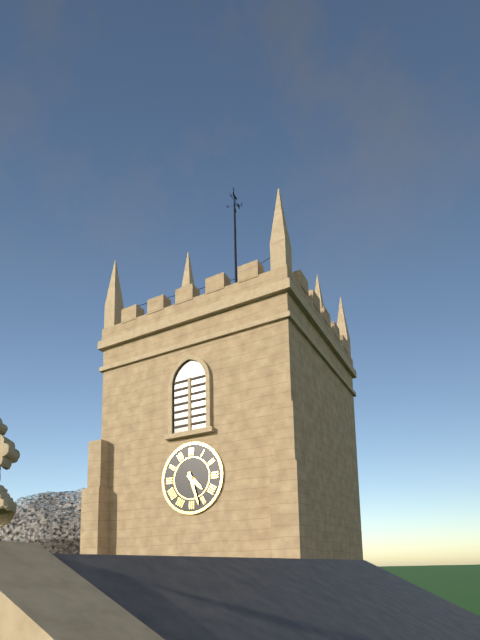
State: 4h27
